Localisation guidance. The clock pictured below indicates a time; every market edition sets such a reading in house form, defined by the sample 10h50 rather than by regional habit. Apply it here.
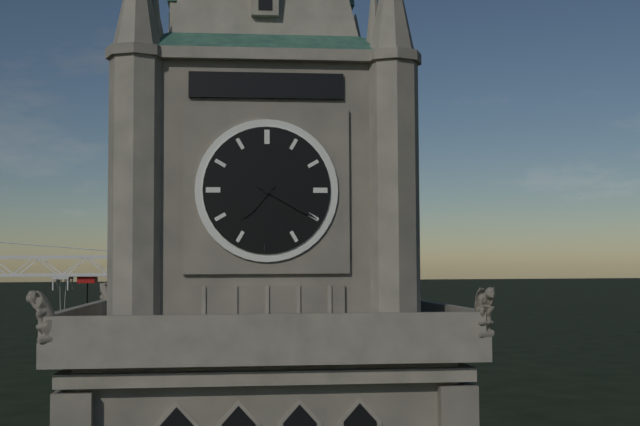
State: 7h20
